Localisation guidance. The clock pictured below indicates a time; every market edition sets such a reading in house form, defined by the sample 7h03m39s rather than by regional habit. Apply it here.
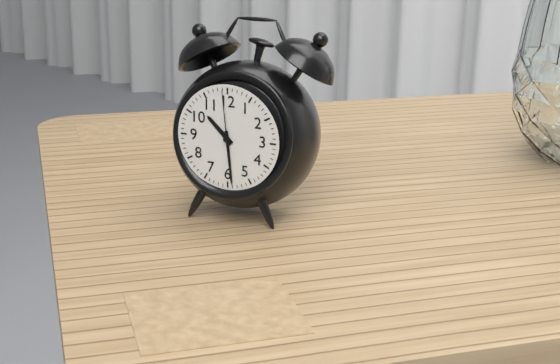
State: 10h29m59s
